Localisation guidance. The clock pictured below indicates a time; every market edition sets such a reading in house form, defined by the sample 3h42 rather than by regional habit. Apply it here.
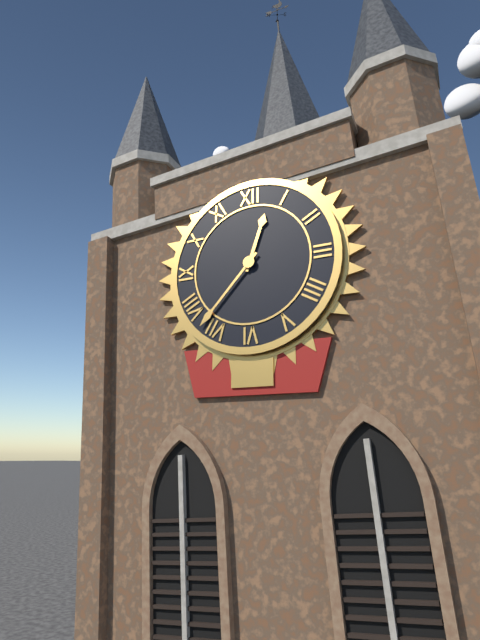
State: 12h37
